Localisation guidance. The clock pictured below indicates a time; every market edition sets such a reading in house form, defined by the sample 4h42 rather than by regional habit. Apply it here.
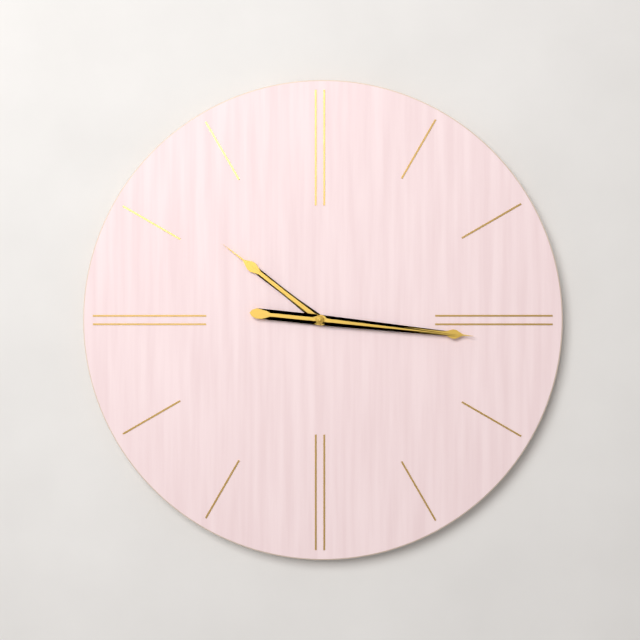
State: 10h16
